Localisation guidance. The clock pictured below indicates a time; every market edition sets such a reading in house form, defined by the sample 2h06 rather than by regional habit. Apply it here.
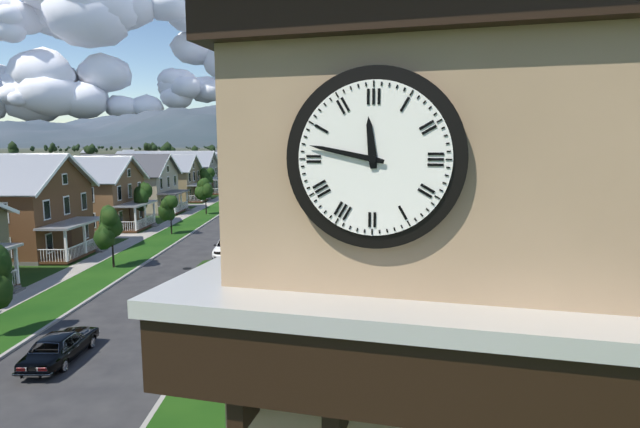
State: 11h47
